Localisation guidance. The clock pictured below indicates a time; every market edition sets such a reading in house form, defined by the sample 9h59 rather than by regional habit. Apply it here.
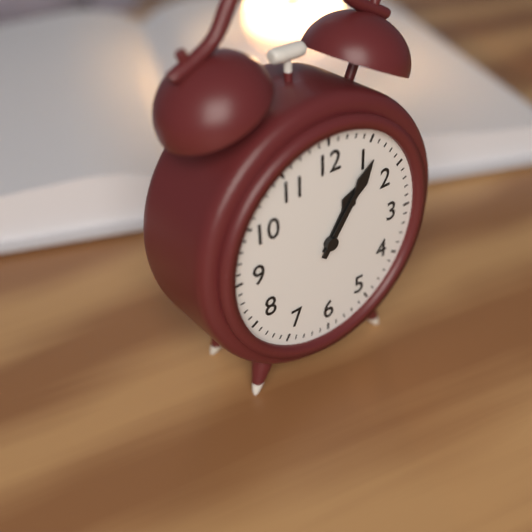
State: 1h06
